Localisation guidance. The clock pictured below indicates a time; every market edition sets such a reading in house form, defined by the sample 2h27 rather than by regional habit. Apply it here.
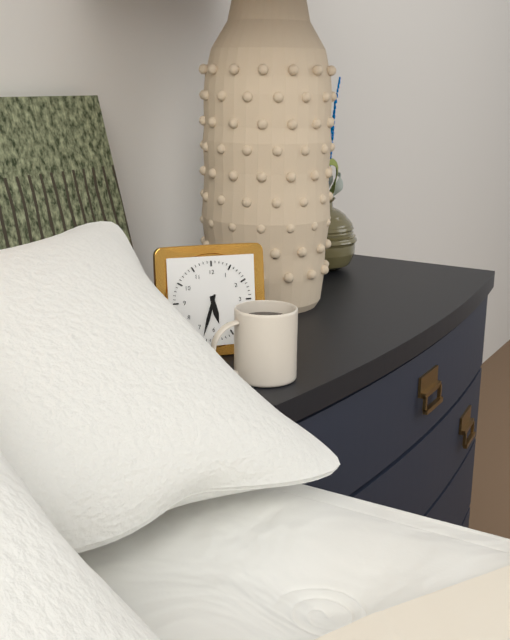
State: 5h33
